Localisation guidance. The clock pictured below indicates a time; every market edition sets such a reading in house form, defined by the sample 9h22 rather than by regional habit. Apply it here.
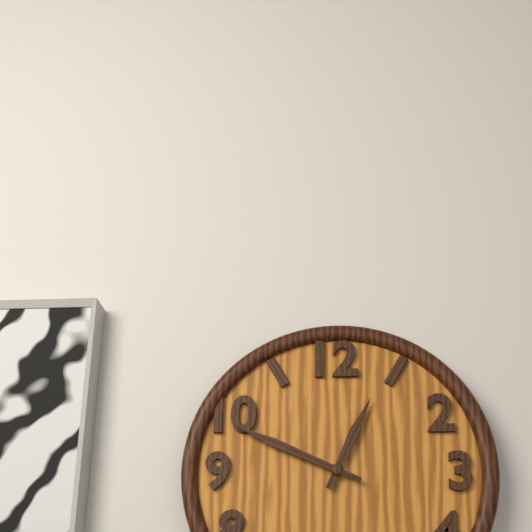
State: 12h49
